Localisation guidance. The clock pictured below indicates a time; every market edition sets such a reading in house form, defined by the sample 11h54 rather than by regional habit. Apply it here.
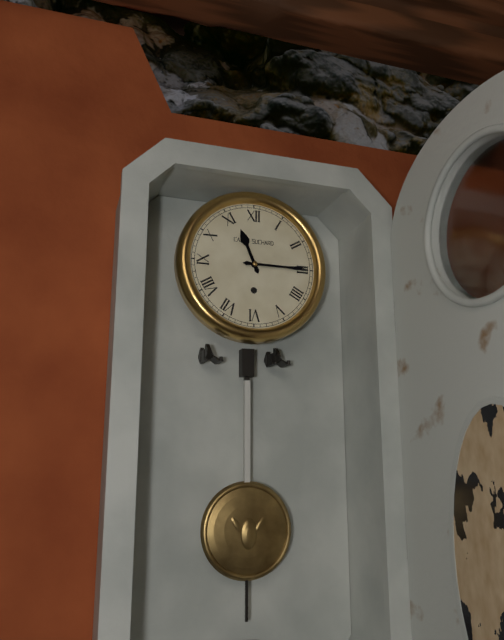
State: 11h15
